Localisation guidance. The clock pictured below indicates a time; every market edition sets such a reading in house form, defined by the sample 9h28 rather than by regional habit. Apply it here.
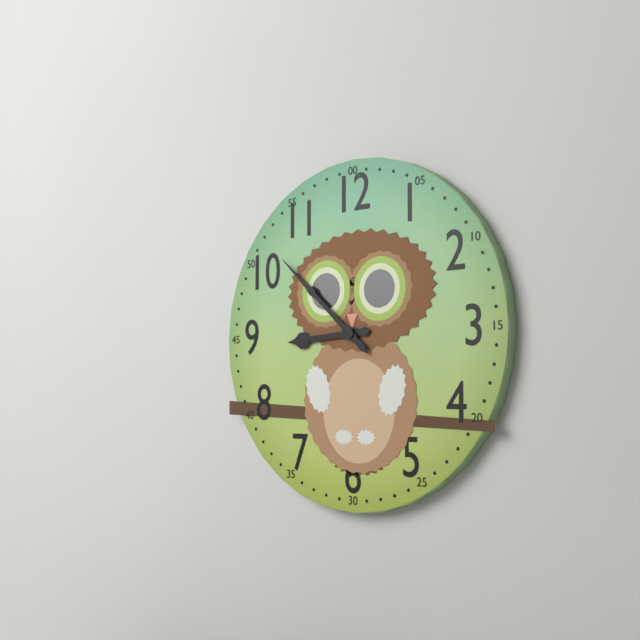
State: 8h52
